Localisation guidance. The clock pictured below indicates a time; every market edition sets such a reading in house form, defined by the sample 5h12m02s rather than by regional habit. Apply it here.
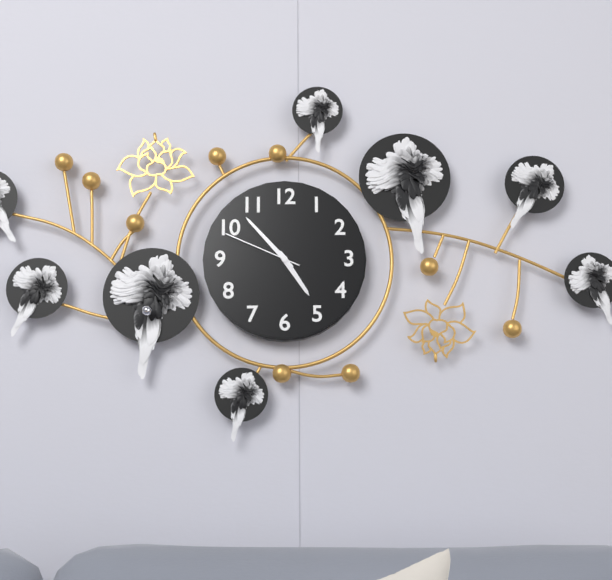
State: 4h53m49s
